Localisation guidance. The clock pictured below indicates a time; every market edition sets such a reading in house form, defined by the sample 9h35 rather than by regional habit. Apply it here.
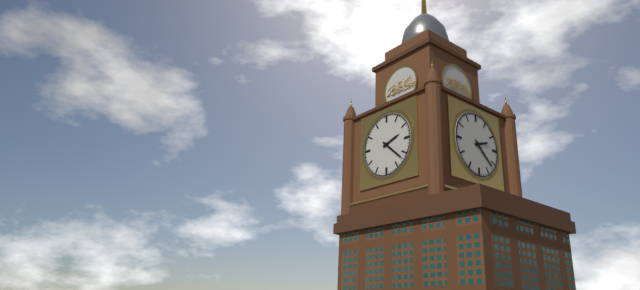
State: 2h22
